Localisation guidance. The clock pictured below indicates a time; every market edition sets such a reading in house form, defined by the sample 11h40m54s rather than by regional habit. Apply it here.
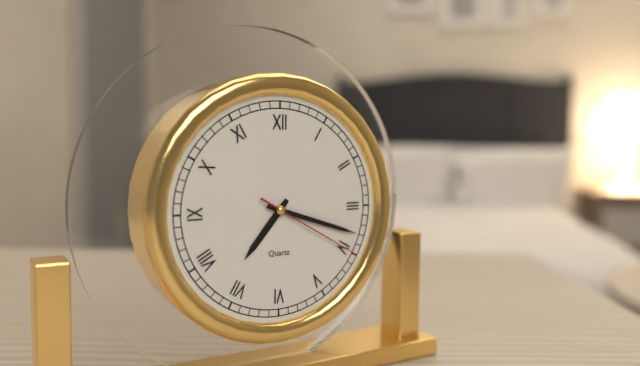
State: 7h18m20s
